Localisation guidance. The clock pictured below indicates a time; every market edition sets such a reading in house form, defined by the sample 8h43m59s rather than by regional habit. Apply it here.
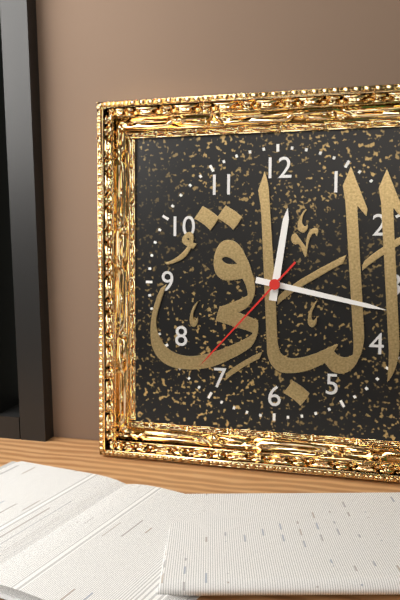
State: 12h17m37s
